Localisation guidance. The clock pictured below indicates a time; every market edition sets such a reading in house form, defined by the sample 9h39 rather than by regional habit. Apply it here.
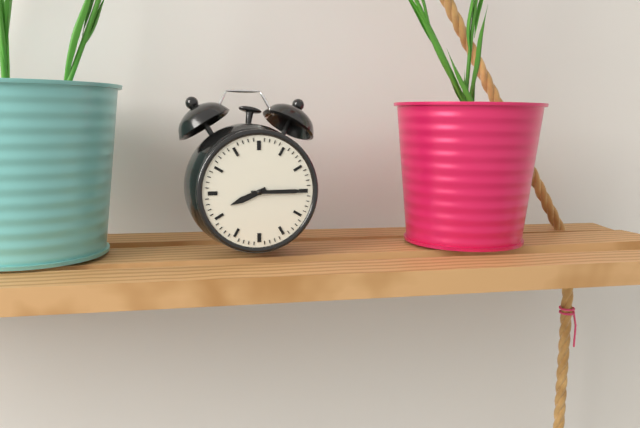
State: 8h15
